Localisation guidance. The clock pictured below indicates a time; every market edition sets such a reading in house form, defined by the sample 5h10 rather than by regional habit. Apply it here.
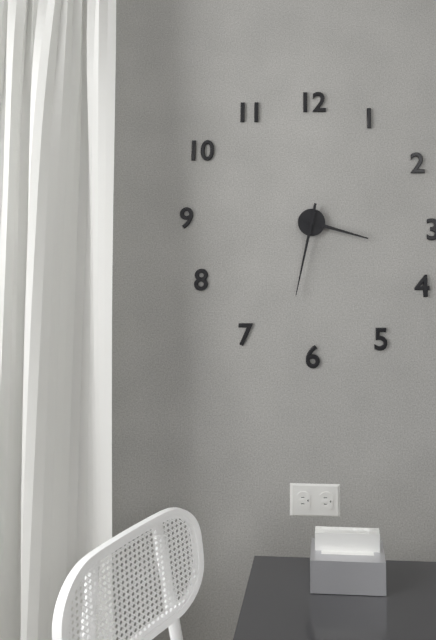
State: 3h32
